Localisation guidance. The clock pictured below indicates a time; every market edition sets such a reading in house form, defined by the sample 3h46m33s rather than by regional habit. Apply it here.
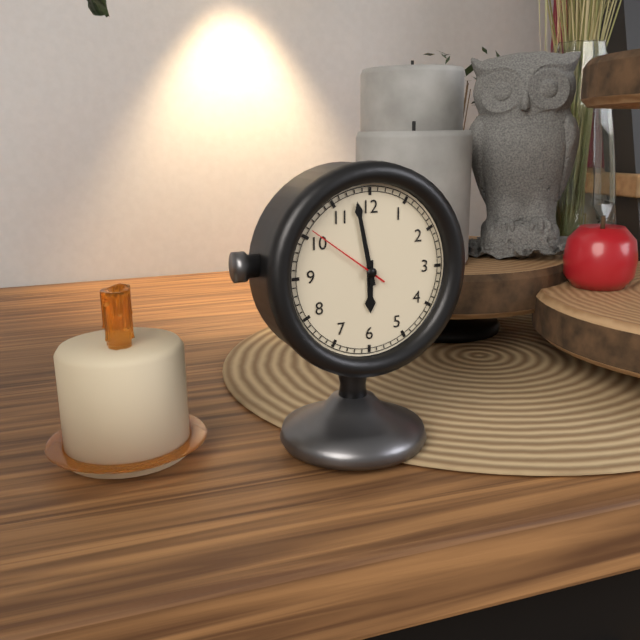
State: 5h58m51s
